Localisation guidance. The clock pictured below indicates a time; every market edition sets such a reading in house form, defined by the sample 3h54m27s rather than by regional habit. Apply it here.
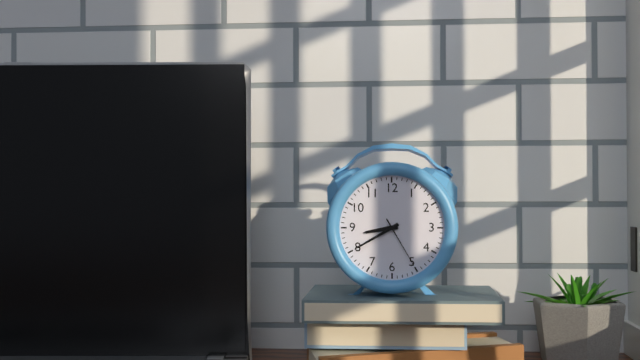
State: 8h40m25s
